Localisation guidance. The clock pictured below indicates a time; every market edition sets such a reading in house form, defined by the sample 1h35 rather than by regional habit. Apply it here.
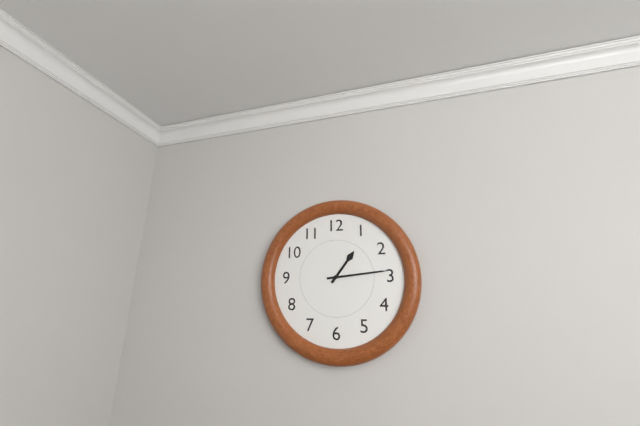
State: 1h14
